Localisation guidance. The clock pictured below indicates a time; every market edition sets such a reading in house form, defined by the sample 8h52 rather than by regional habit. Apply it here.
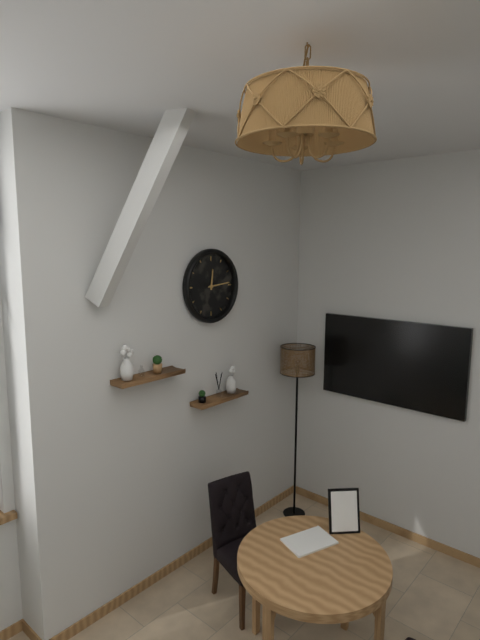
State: 12h14
